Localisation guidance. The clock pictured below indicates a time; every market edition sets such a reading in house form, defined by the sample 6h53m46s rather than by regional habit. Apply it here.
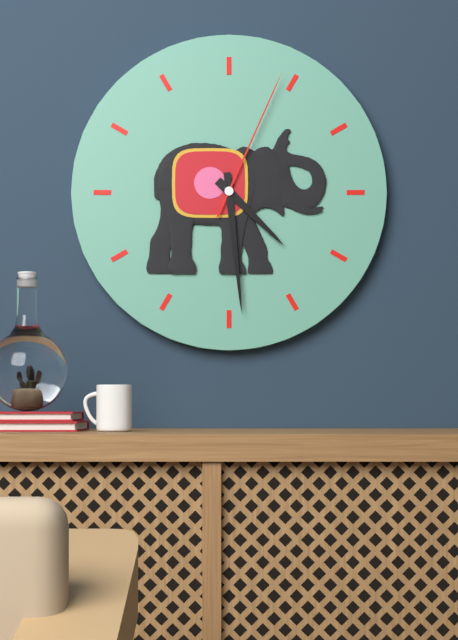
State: 4h29m04s
